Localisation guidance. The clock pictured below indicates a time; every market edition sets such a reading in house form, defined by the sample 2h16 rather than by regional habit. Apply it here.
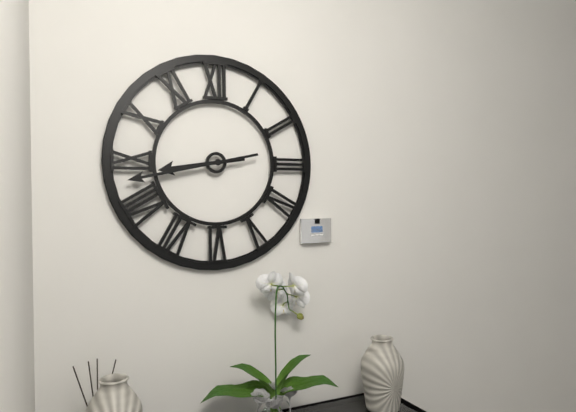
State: 8h43
